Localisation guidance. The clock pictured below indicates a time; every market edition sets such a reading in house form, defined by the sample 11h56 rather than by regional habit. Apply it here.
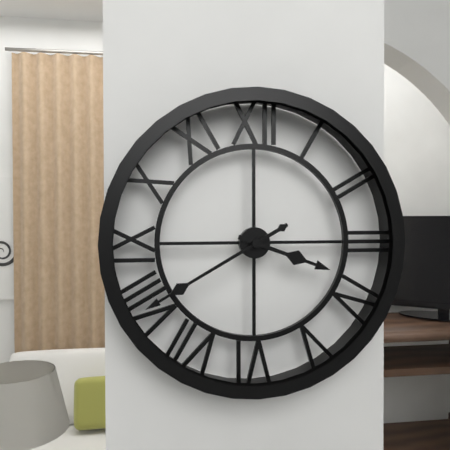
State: 3h40
